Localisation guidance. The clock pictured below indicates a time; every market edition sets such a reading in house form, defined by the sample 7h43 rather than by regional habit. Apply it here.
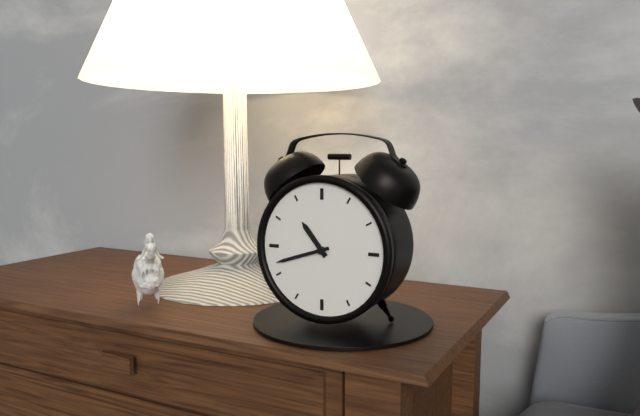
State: 10h42
